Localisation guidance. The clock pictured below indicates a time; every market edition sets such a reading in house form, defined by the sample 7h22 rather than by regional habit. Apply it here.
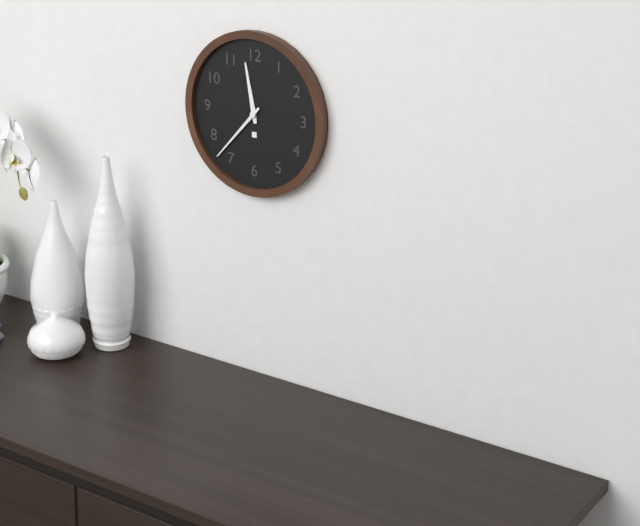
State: 11h37
